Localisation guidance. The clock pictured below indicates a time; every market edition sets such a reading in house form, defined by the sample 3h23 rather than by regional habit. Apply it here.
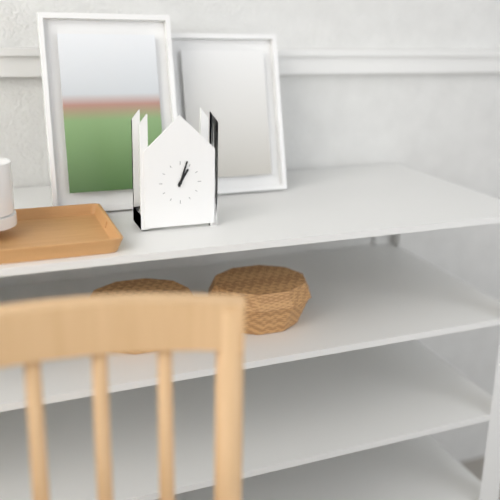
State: 1h03
